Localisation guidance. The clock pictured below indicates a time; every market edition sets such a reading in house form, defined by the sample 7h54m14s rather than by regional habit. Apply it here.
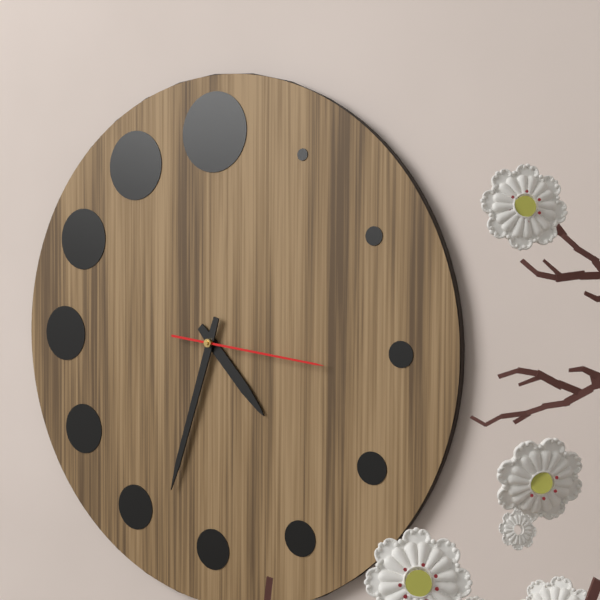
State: 4h33m16s
